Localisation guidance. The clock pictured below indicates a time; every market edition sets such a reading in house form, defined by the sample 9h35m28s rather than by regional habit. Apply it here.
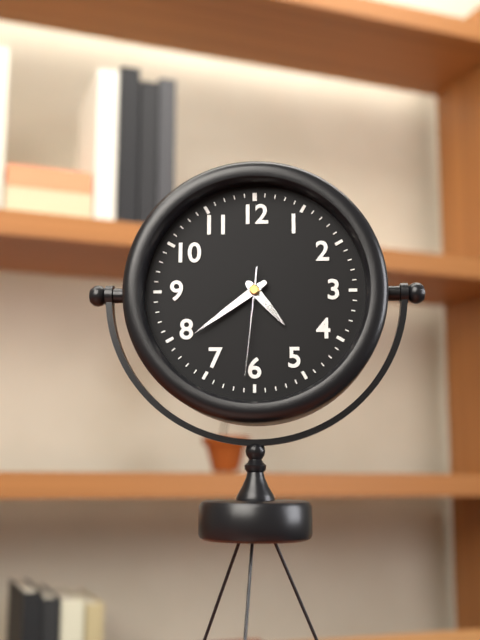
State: 4h39m31s
